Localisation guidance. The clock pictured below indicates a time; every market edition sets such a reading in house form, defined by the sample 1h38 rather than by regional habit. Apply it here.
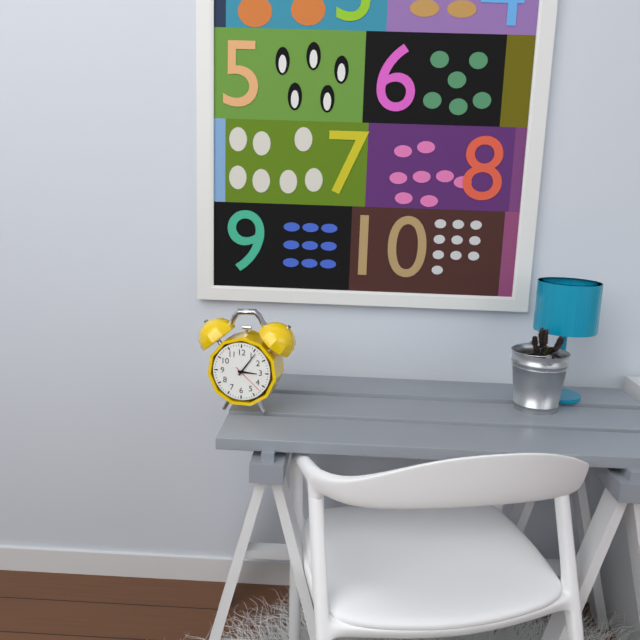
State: 3h06
